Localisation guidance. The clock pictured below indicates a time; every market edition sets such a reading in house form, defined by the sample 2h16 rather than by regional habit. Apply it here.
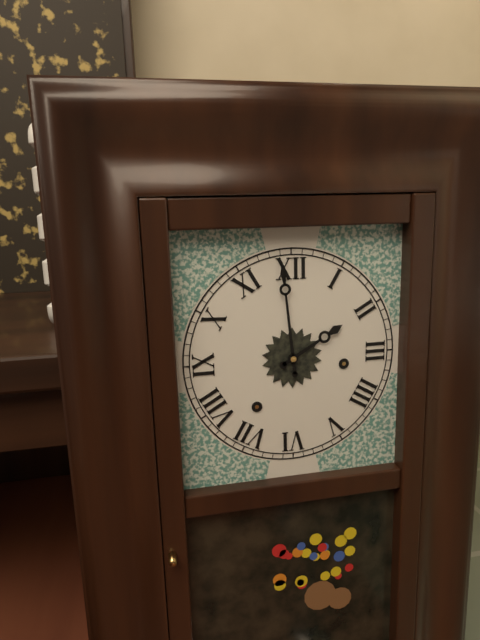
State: 1h59
